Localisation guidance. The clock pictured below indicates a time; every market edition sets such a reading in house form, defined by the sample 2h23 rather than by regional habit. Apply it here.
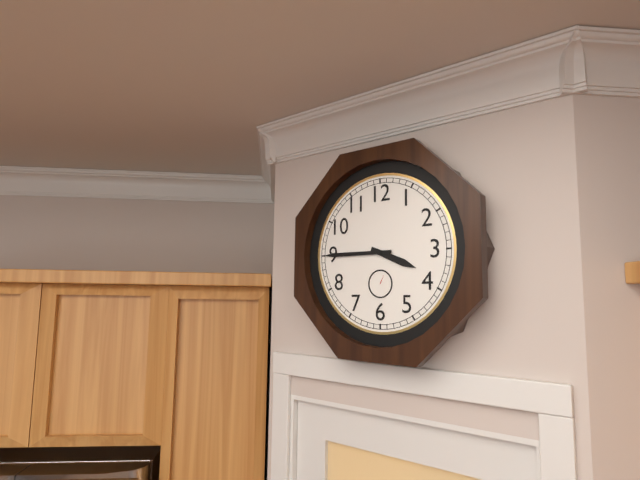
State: 3h45
